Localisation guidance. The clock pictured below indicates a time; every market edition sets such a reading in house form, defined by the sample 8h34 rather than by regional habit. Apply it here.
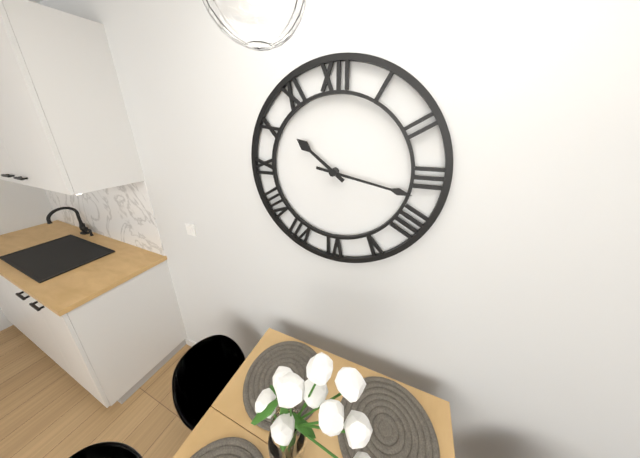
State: 10h17
